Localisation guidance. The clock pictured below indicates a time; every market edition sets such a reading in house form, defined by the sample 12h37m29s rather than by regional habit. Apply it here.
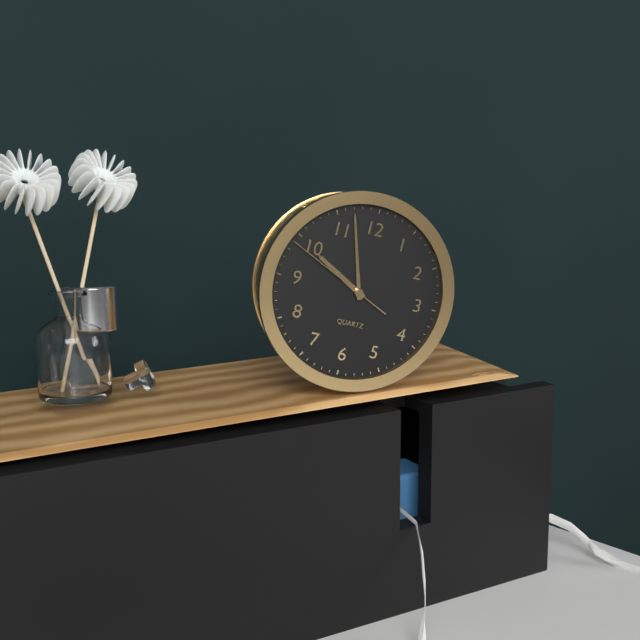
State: 9h57m49s
